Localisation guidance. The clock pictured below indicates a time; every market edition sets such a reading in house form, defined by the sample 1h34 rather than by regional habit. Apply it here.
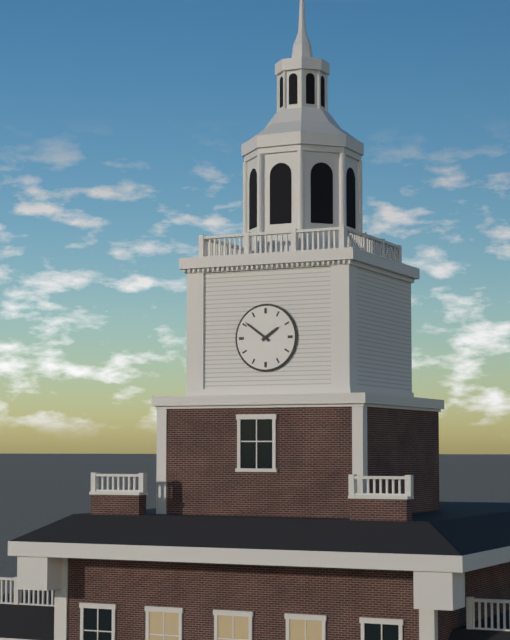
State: 1h51
